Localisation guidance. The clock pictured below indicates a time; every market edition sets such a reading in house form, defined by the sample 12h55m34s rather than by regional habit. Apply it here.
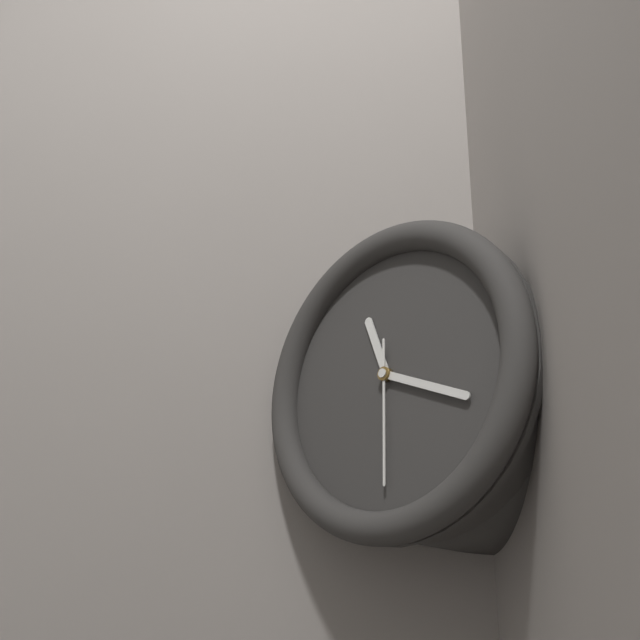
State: 11h19m30s
